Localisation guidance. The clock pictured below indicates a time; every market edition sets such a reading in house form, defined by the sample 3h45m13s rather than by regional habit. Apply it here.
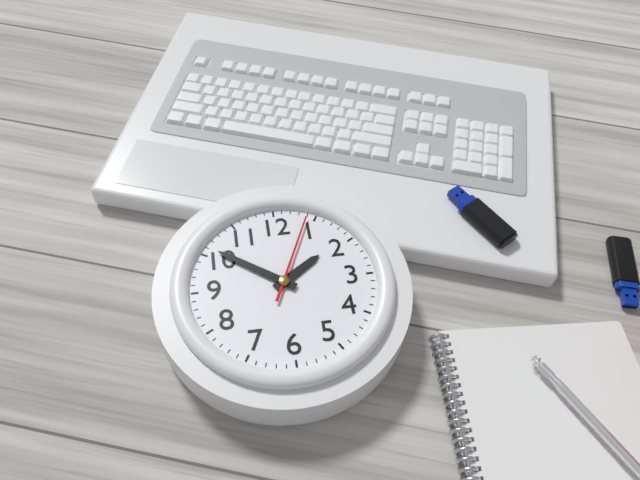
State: 1h51m04s
